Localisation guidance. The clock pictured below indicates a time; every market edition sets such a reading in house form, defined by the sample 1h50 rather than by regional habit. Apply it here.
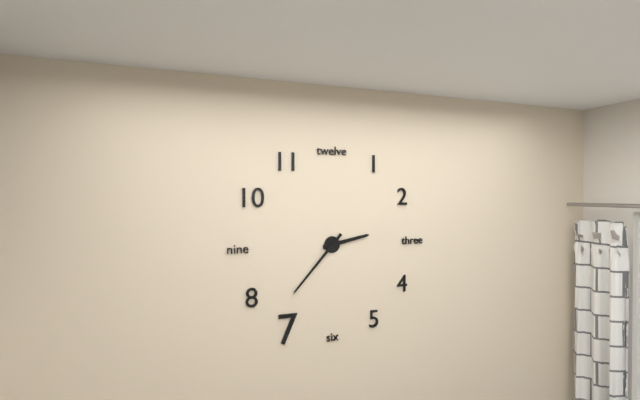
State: 2h37
